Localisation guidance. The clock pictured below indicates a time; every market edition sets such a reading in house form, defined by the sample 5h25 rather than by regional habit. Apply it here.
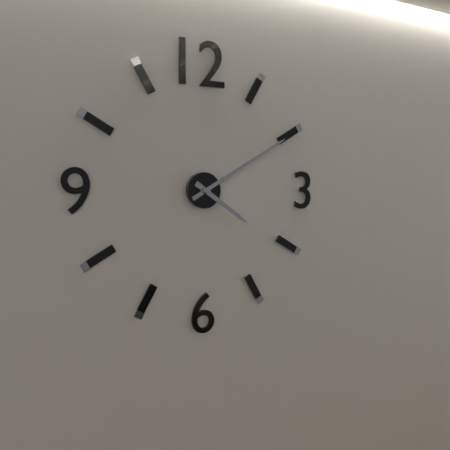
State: 4h10
